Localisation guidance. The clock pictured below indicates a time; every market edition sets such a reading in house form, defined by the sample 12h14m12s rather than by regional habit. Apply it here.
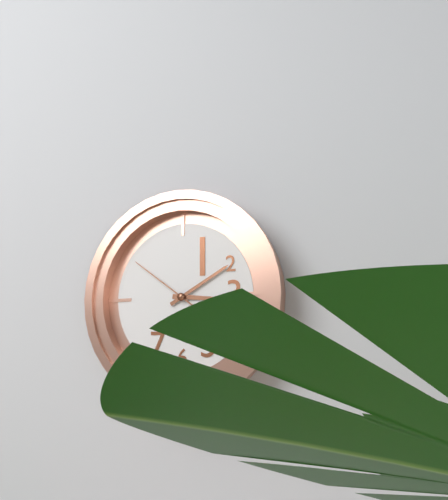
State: 3h10m51s
